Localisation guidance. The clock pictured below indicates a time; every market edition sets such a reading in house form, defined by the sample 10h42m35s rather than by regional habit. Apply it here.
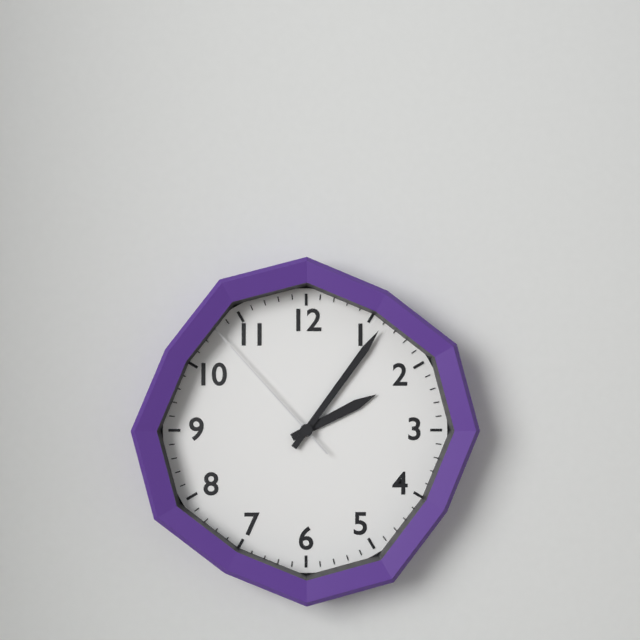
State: 2h06m53s
